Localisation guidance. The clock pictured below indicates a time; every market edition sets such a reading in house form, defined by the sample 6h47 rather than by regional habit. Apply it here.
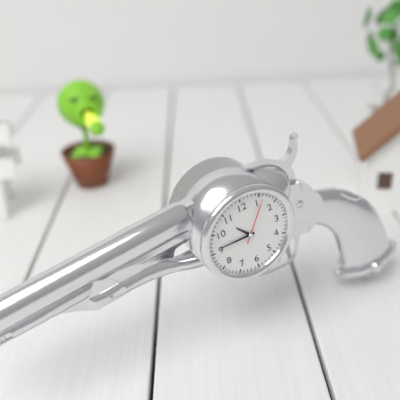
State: 10h46
